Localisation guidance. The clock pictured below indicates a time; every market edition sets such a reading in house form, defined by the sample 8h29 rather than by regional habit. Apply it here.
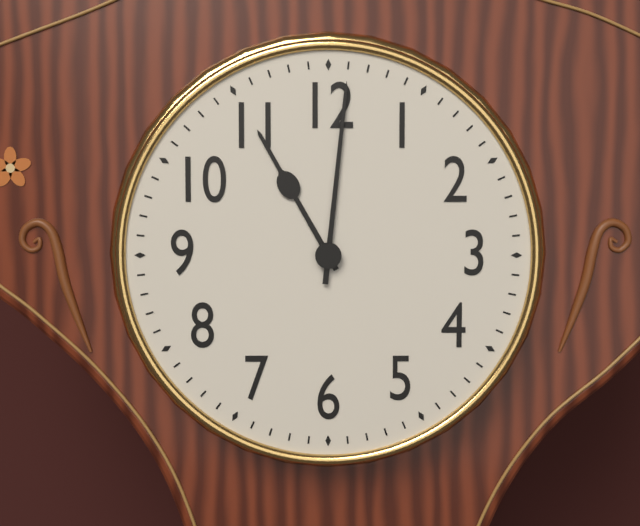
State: 11h01
